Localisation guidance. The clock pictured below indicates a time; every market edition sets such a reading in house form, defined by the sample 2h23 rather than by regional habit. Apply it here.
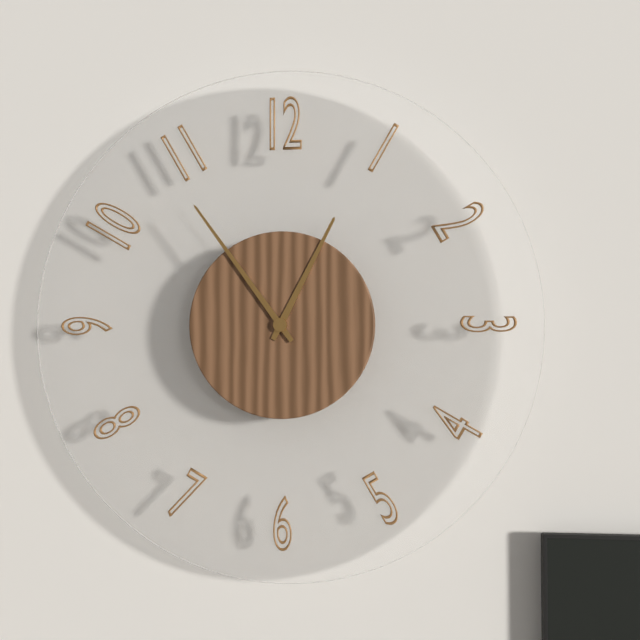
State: 12h54
